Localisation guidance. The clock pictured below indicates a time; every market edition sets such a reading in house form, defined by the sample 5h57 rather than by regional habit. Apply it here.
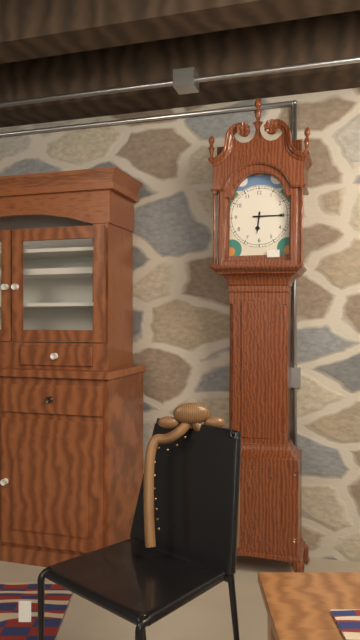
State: 6h15
